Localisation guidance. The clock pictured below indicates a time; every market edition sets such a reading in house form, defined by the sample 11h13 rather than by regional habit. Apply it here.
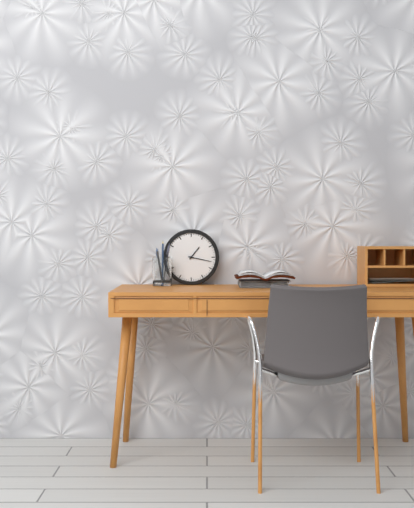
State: 1h17
